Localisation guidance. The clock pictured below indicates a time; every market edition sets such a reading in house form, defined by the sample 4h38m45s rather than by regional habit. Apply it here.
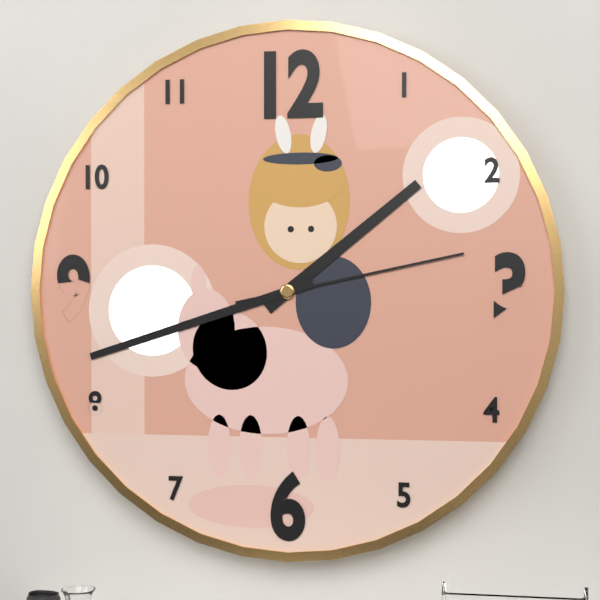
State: 1h42m13s
